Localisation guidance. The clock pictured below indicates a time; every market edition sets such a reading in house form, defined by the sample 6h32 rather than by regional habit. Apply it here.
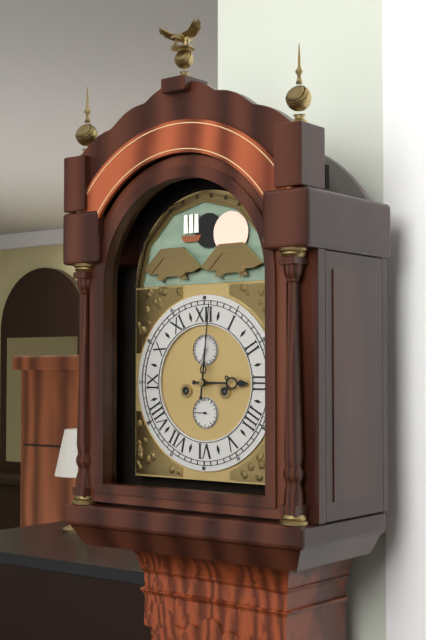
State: 3h01
